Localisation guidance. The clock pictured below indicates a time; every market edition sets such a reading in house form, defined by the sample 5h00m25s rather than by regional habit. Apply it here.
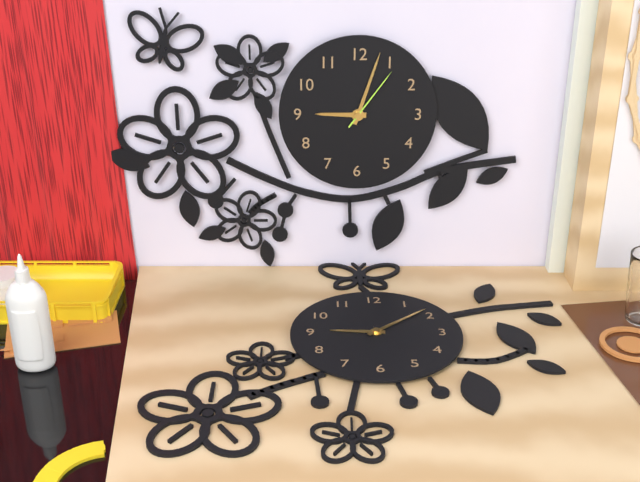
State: 9h03m06s
